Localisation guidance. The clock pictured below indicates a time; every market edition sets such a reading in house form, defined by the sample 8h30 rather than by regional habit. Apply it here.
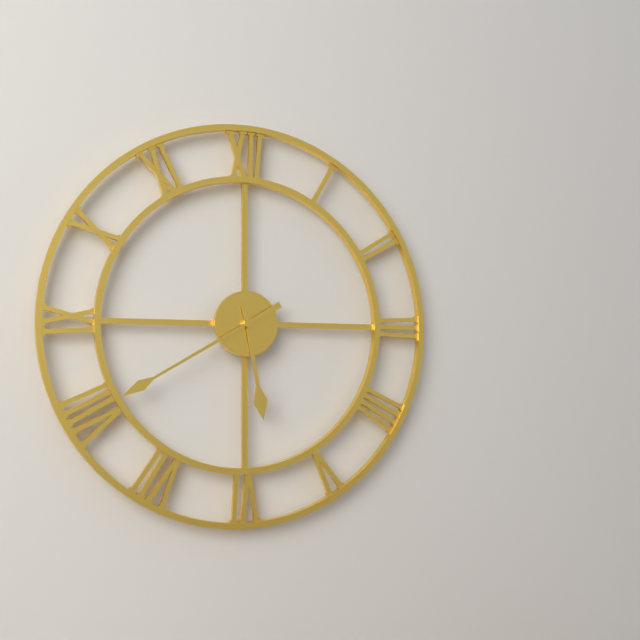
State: 5h40
